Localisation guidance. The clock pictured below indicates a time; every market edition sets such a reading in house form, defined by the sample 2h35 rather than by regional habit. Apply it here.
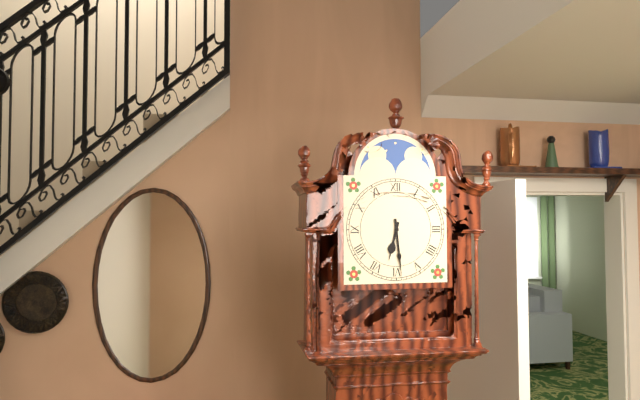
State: 6h29
